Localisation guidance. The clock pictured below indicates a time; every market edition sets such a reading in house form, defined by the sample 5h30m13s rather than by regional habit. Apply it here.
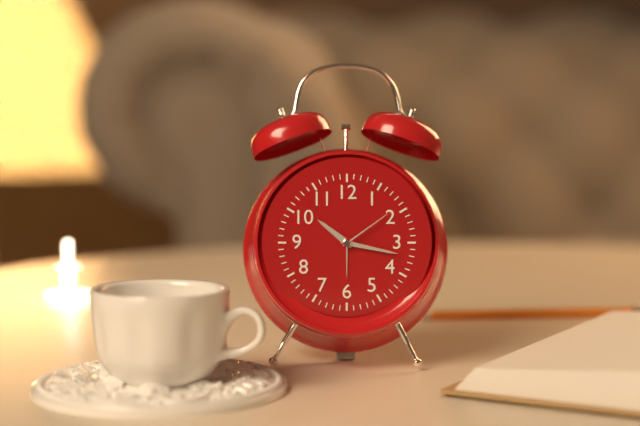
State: 10h17m09s
